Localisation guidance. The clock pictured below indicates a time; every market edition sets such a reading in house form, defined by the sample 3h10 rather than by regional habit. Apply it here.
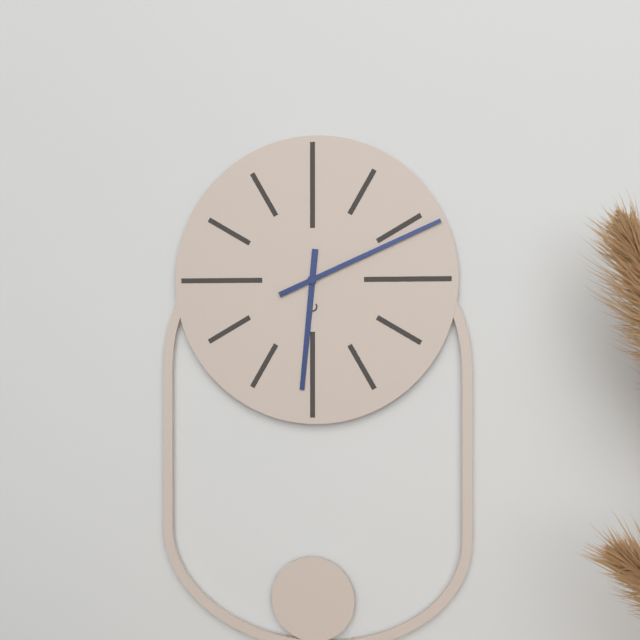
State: 6h11
